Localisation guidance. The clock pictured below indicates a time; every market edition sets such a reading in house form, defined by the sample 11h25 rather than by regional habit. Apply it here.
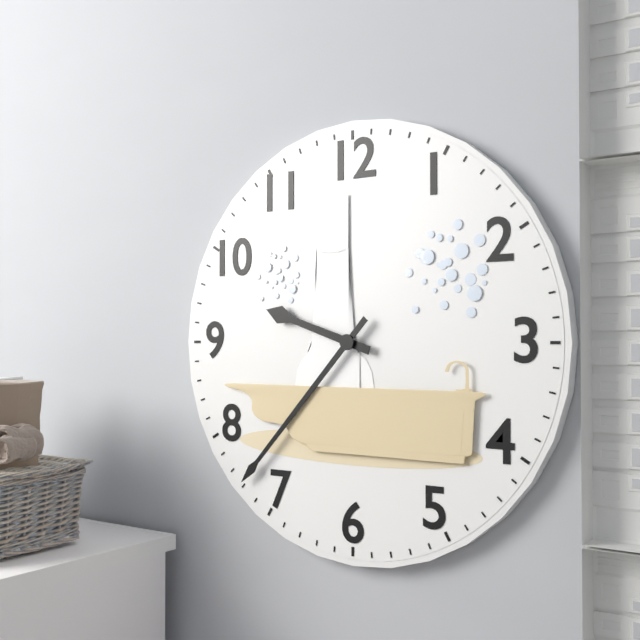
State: 9h37
